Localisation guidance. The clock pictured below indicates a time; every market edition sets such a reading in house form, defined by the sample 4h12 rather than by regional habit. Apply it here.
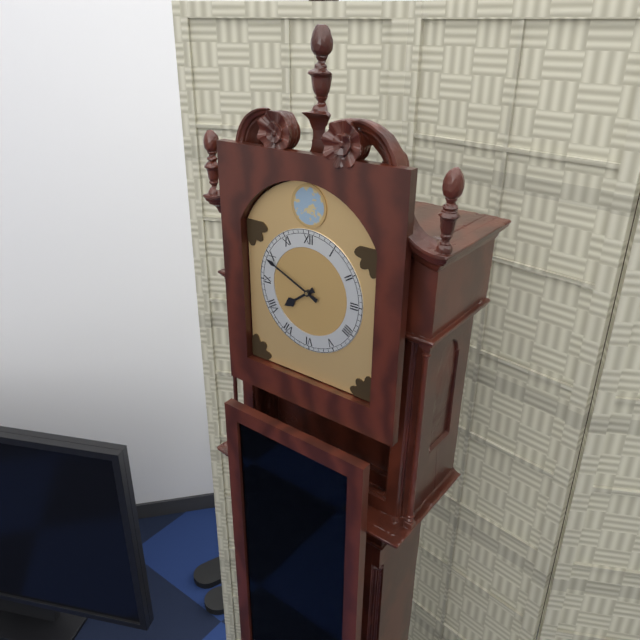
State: 7h49
